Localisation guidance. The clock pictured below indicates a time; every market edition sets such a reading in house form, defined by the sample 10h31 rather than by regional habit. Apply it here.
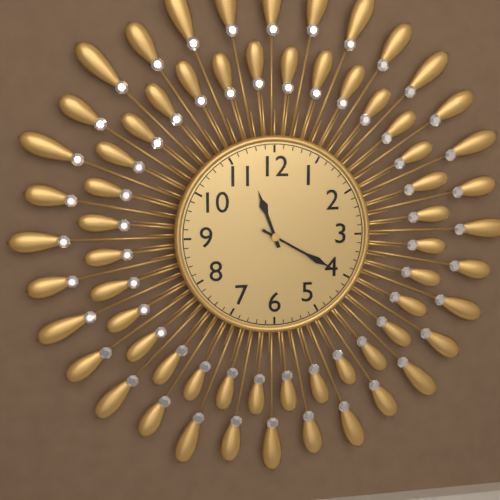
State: 11h20
